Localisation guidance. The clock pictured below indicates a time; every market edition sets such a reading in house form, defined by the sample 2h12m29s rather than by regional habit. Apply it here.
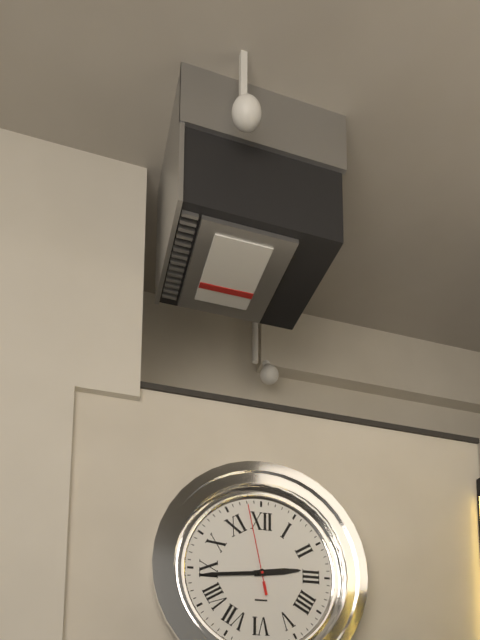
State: 2h44m58s
